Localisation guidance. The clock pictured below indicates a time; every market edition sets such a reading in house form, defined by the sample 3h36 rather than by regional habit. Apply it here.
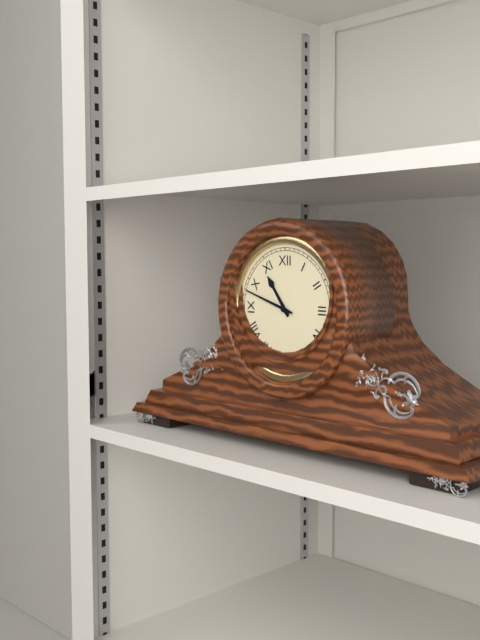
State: 10h48
